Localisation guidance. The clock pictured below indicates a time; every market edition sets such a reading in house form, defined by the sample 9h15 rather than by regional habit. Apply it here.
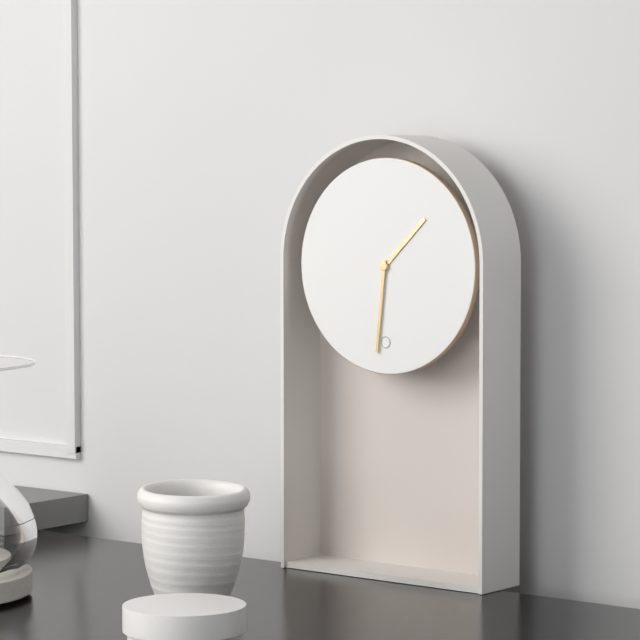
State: 1h31
